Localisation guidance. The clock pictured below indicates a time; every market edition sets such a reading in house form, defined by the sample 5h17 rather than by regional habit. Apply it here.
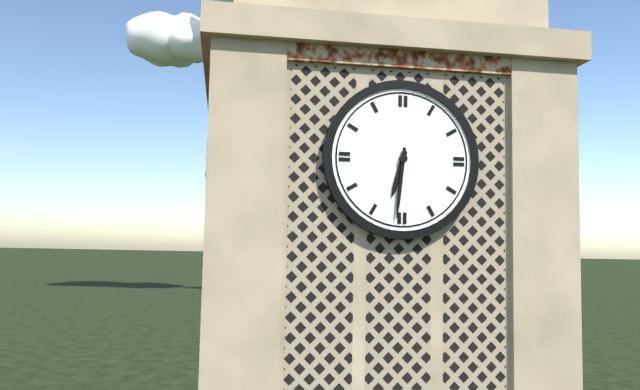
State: 6h31
